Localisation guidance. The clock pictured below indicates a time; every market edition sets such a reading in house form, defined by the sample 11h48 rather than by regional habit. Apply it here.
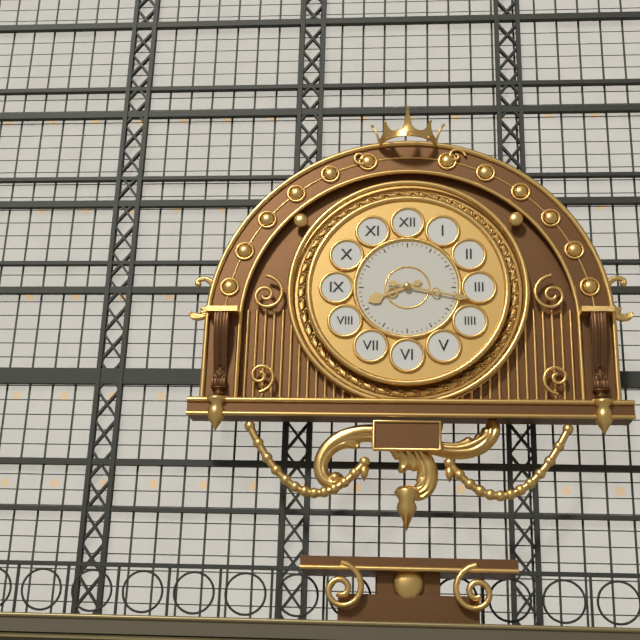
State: 8h17
